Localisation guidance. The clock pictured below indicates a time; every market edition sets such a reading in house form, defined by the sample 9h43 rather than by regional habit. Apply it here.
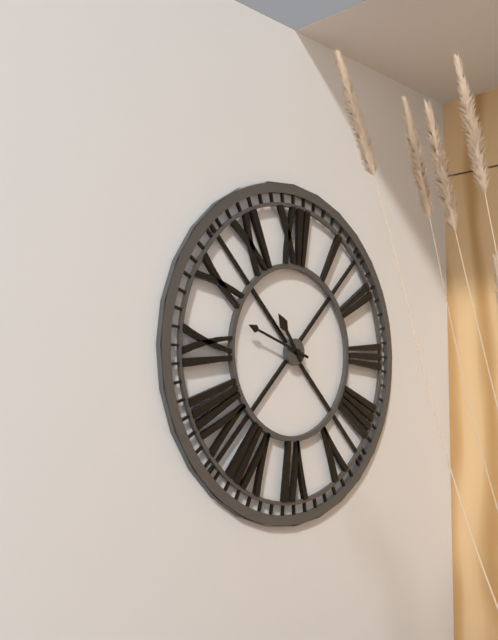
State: 10h48
